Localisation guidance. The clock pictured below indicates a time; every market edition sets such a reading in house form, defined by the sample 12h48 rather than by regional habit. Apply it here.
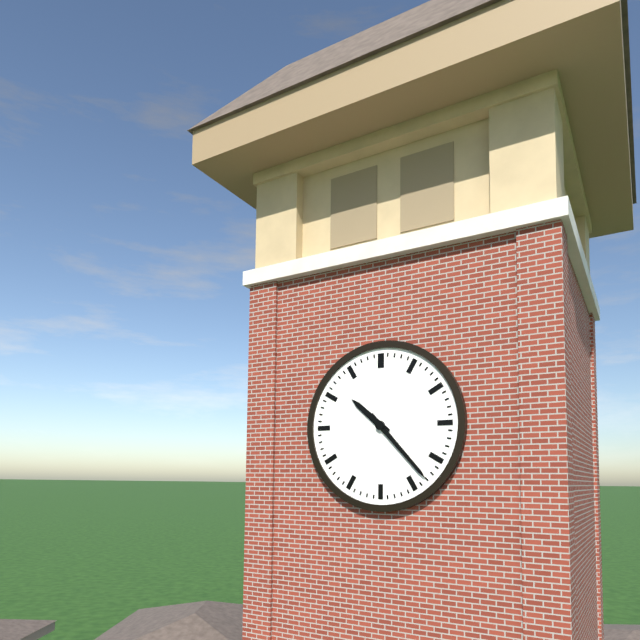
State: 10h23
